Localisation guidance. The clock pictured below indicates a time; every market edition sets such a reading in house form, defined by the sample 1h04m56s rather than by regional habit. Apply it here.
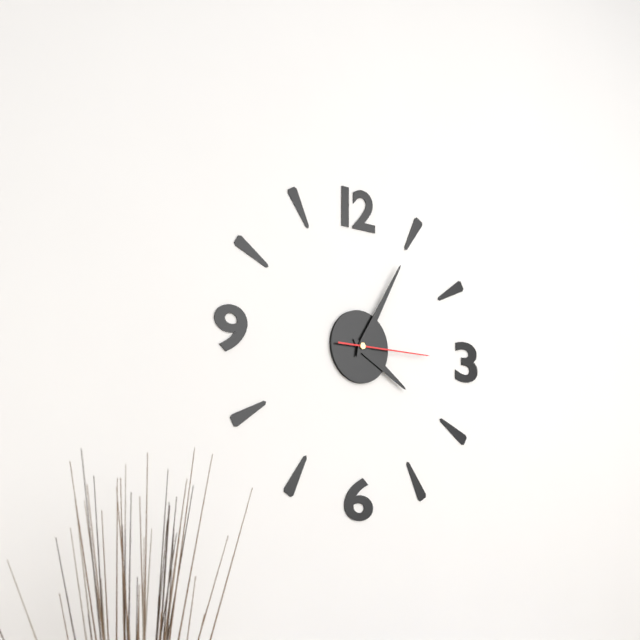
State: 4h05m15s
